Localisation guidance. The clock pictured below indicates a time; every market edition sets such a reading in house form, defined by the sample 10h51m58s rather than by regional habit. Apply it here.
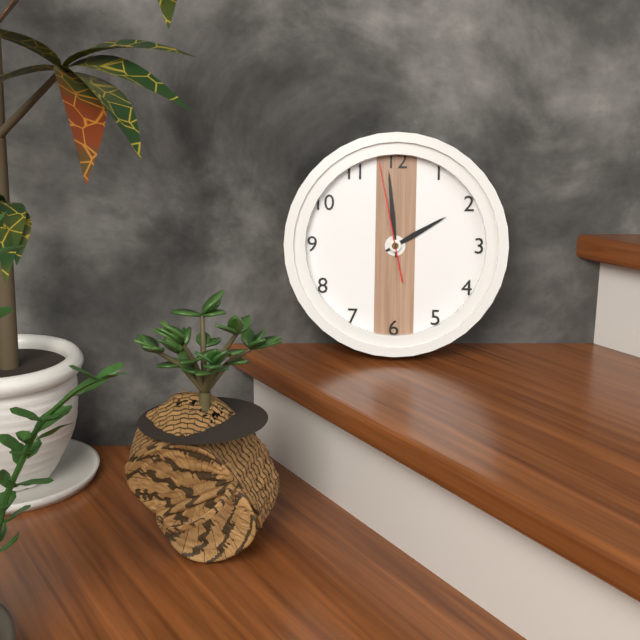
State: 1h59m58s
